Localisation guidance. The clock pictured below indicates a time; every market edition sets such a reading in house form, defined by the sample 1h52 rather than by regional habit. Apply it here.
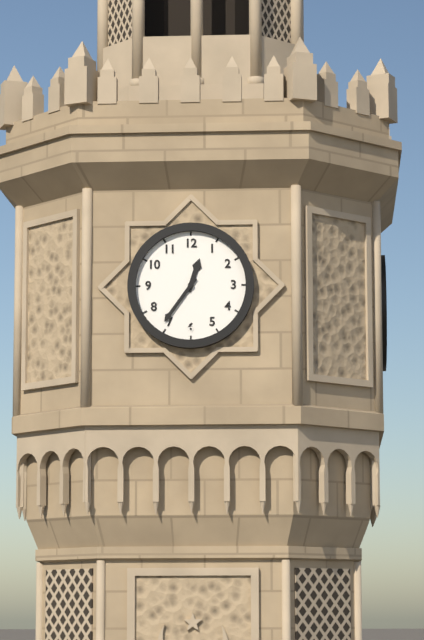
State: 12h36
